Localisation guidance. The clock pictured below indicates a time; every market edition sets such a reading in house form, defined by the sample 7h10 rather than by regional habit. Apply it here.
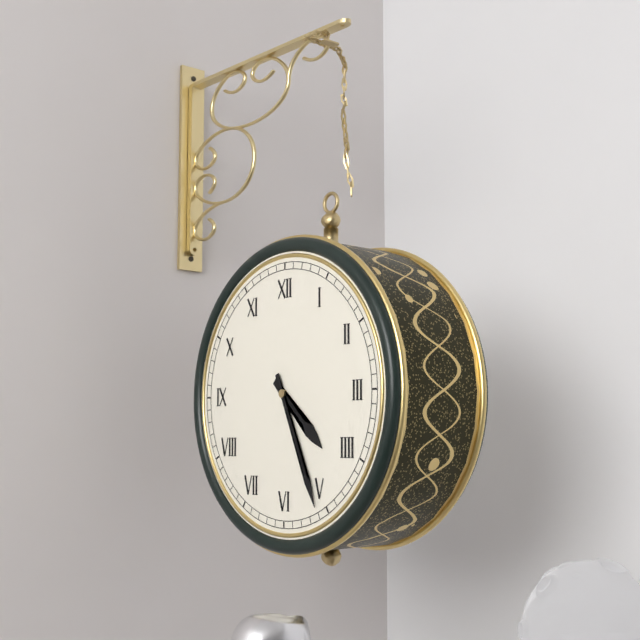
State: 4h26
